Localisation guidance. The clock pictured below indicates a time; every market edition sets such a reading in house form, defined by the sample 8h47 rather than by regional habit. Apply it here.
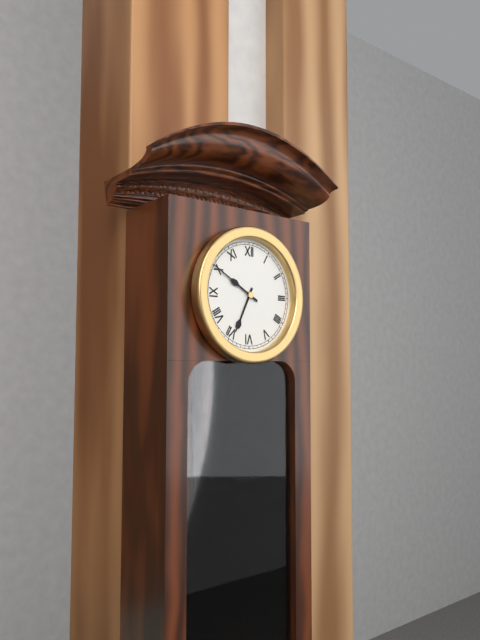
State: 6h50
